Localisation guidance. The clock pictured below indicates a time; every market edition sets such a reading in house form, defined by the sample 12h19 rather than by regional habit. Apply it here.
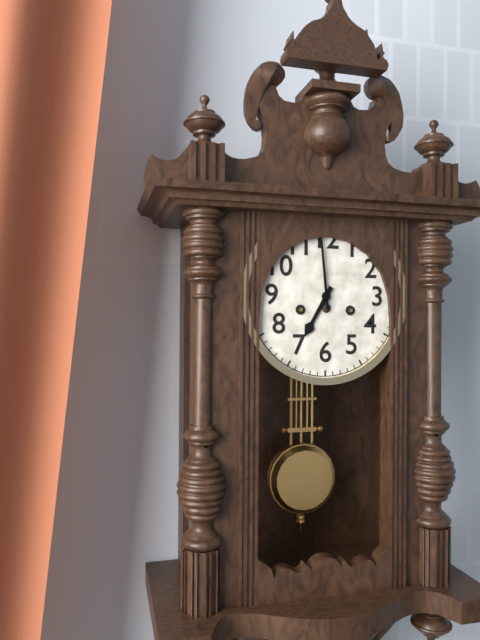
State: 6h59
